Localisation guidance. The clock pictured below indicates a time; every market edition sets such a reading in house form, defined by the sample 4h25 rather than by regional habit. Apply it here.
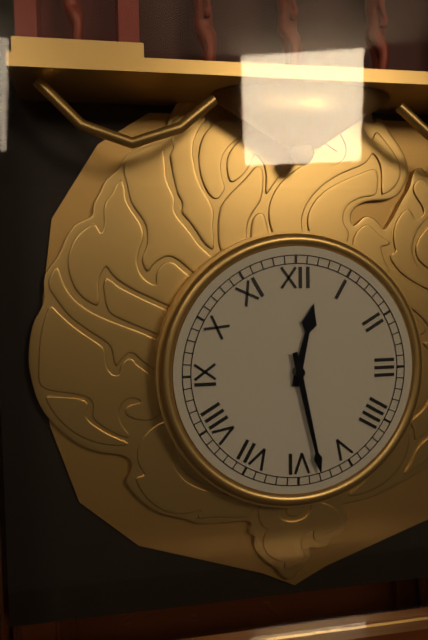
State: 12h28
